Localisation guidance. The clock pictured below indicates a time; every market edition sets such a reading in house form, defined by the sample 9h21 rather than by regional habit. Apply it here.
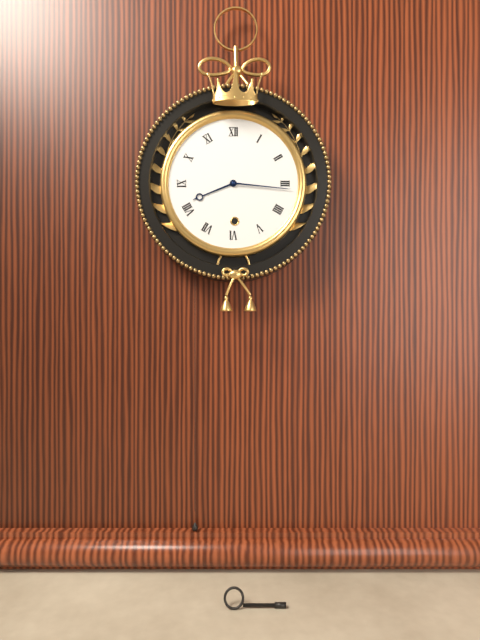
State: 8h16
